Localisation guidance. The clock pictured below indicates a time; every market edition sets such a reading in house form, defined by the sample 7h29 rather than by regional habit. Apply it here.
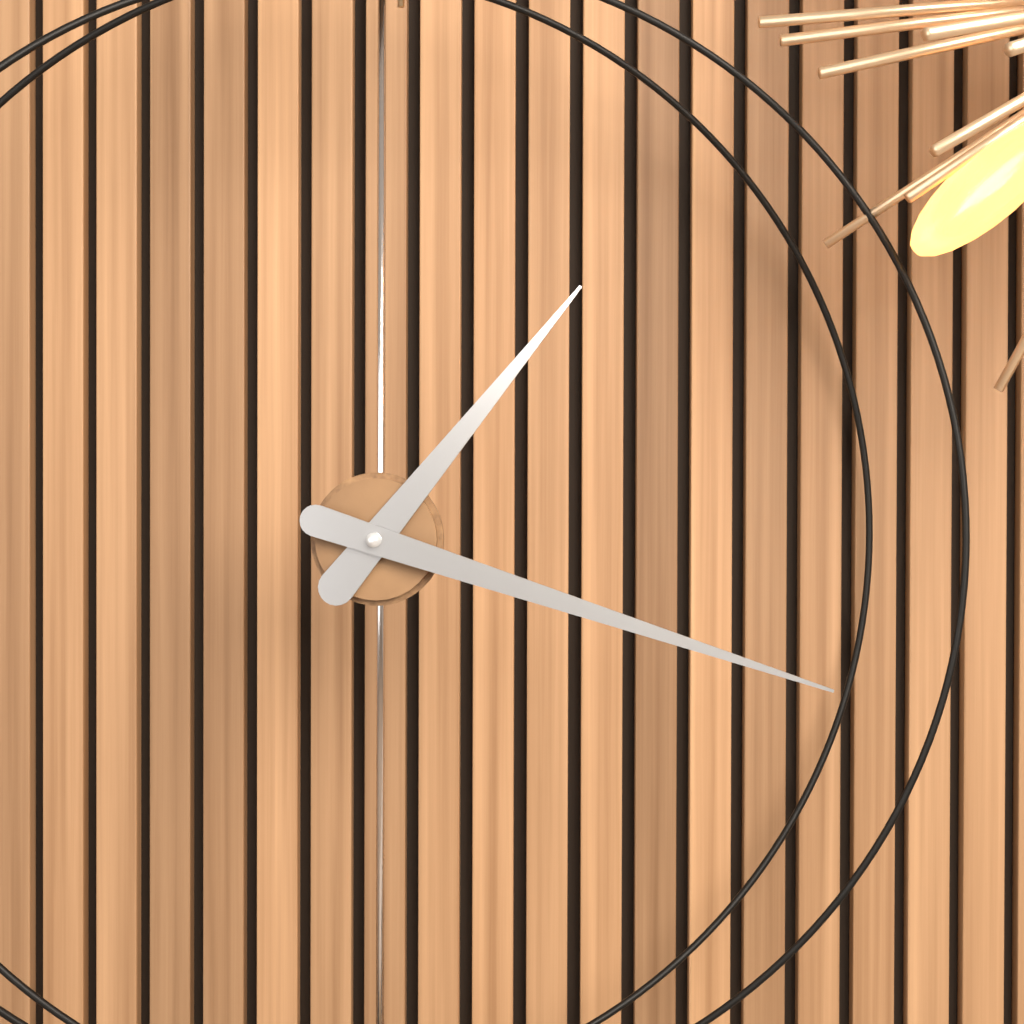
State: 1h18
